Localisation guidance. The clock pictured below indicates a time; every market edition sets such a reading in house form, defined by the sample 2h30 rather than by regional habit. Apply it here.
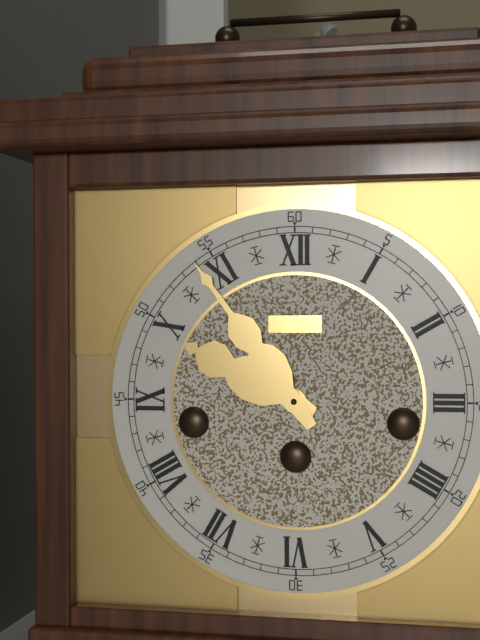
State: 9h54
